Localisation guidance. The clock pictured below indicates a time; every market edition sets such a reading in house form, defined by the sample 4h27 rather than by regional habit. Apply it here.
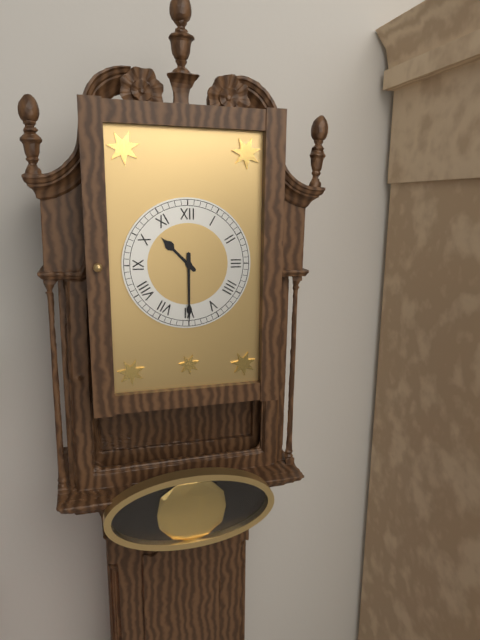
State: 10h30
